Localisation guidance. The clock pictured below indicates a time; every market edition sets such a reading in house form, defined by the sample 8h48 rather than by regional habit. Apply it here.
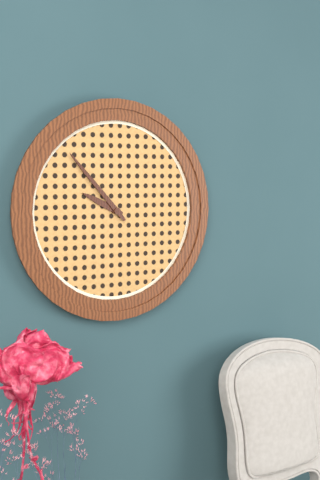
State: 9h53
